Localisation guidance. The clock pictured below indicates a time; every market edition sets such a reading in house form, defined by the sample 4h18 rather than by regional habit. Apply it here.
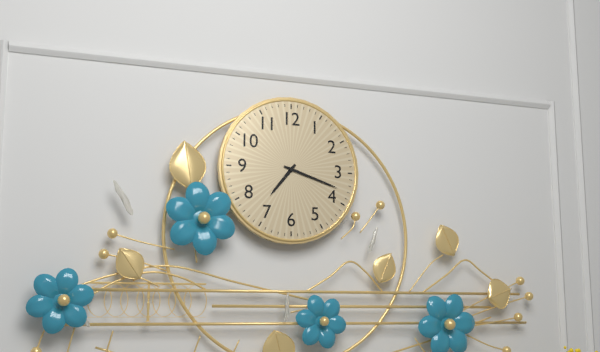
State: 7h18
